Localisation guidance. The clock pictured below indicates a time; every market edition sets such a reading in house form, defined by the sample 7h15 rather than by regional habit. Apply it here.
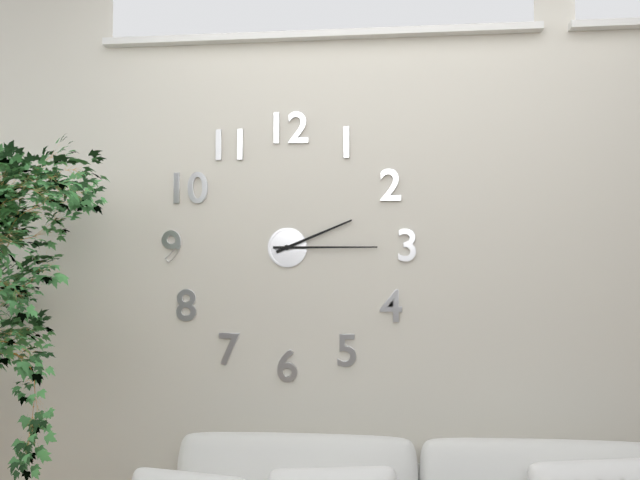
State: 2h15
